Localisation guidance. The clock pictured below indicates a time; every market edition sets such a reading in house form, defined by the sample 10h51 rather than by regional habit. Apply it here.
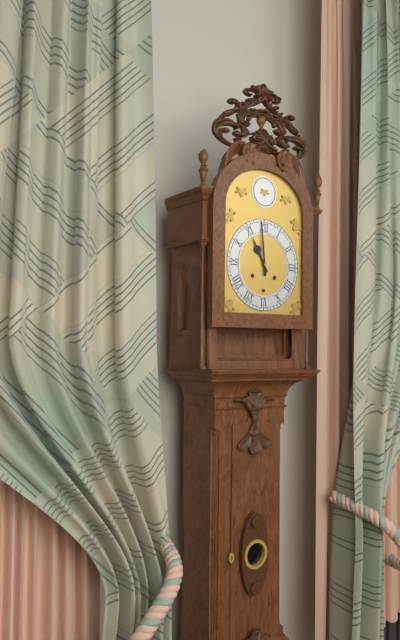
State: 10h59
